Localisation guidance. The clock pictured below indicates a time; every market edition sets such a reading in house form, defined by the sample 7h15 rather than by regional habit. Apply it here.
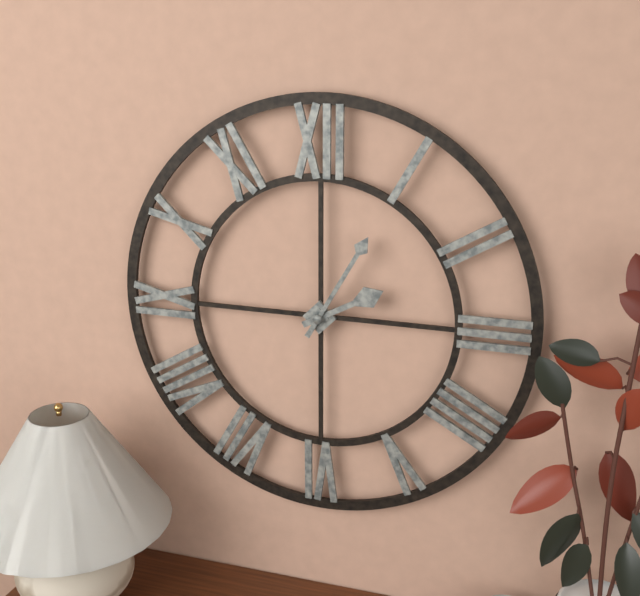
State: 2h05
